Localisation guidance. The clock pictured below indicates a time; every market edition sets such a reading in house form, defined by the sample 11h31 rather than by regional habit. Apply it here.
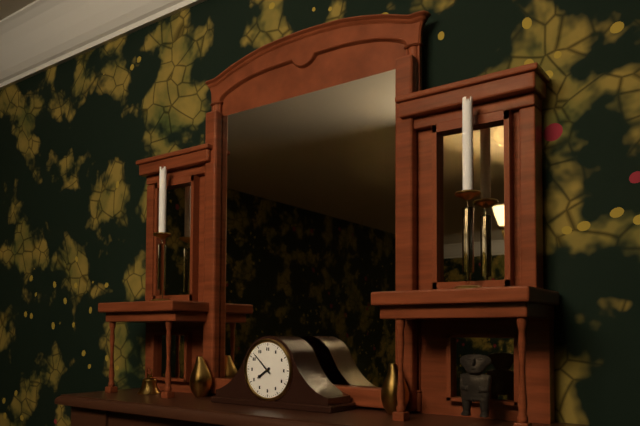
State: 7h52
